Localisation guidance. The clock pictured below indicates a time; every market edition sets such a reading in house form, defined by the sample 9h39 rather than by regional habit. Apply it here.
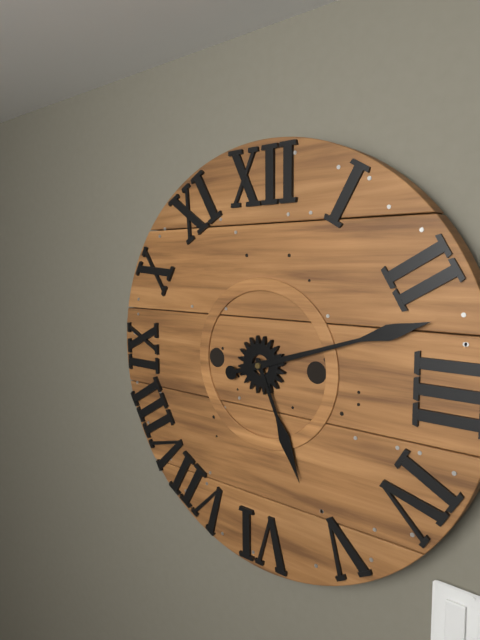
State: 5h12
